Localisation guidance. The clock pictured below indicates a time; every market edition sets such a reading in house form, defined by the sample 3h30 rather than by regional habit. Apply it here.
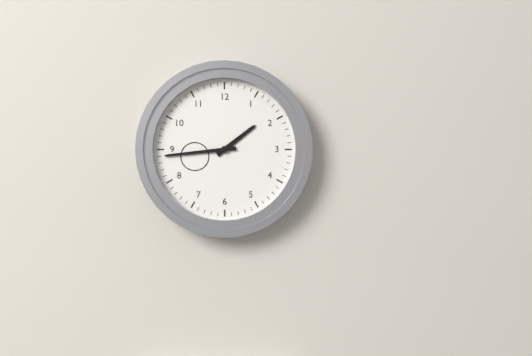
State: 1h44
